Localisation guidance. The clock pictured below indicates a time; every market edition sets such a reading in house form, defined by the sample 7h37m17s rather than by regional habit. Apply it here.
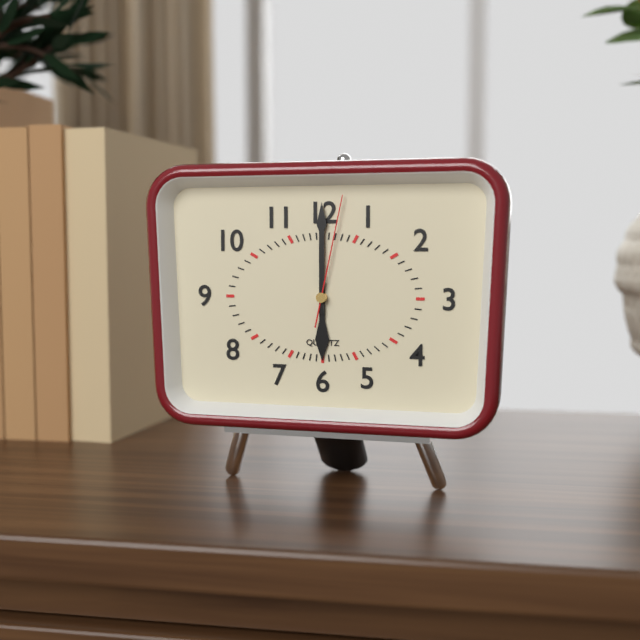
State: 6h00m02s
